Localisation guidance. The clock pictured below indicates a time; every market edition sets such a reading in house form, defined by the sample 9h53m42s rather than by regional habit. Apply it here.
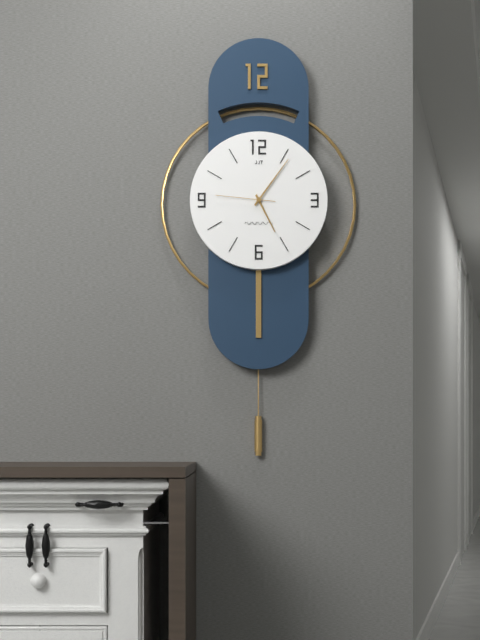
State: 5h06m46s
